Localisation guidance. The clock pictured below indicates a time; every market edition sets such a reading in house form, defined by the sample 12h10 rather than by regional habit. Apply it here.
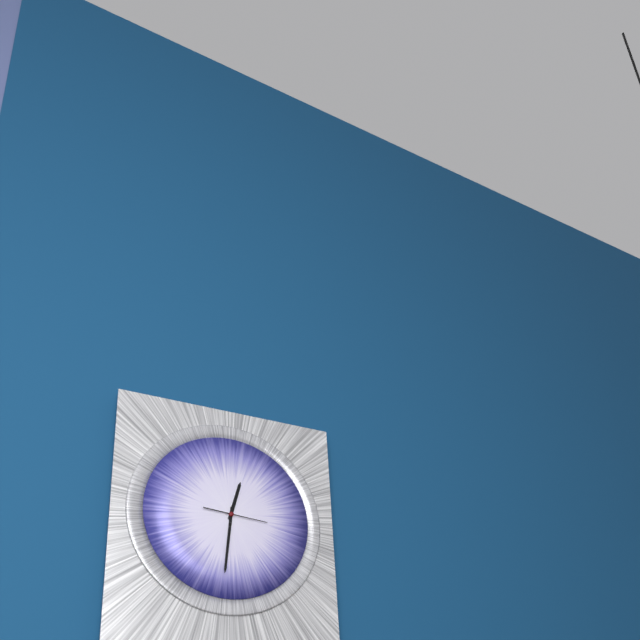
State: 12h31
